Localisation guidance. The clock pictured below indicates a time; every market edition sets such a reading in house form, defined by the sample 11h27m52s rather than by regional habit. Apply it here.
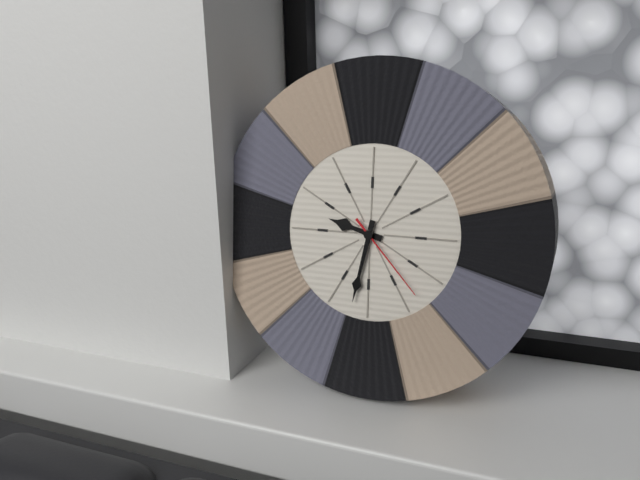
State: 9h32m23s
